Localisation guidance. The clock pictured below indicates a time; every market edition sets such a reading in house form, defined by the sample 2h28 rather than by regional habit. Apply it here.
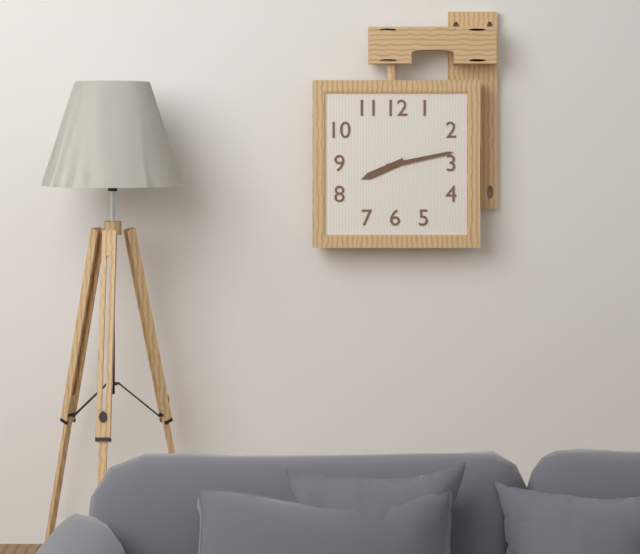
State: 8h13
